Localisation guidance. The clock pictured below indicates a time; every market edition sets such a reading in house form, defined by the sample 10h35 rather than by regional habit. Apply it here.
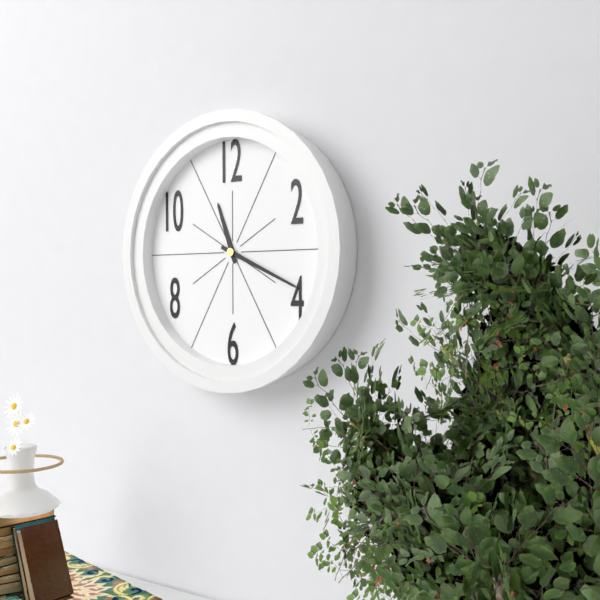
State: 11h19
